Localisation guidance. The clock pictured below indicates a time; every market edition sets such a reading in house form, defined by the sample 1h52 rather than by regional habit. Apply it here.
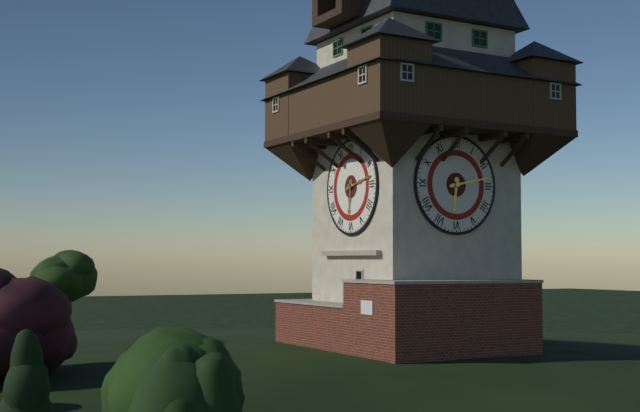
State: 6h13
